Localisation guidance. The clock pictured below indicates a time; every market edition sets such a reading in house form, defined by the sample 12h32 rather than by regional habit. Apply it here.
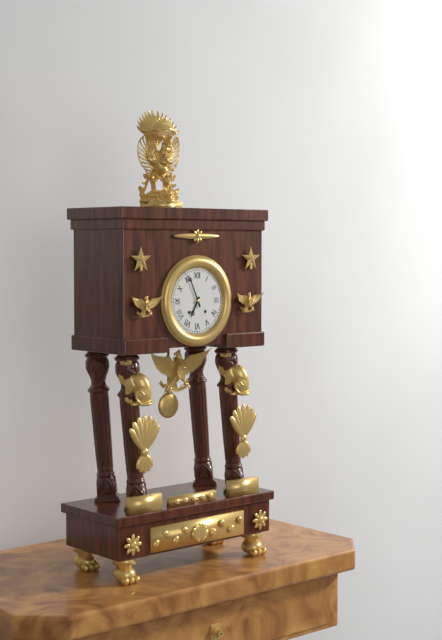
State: 6h56
